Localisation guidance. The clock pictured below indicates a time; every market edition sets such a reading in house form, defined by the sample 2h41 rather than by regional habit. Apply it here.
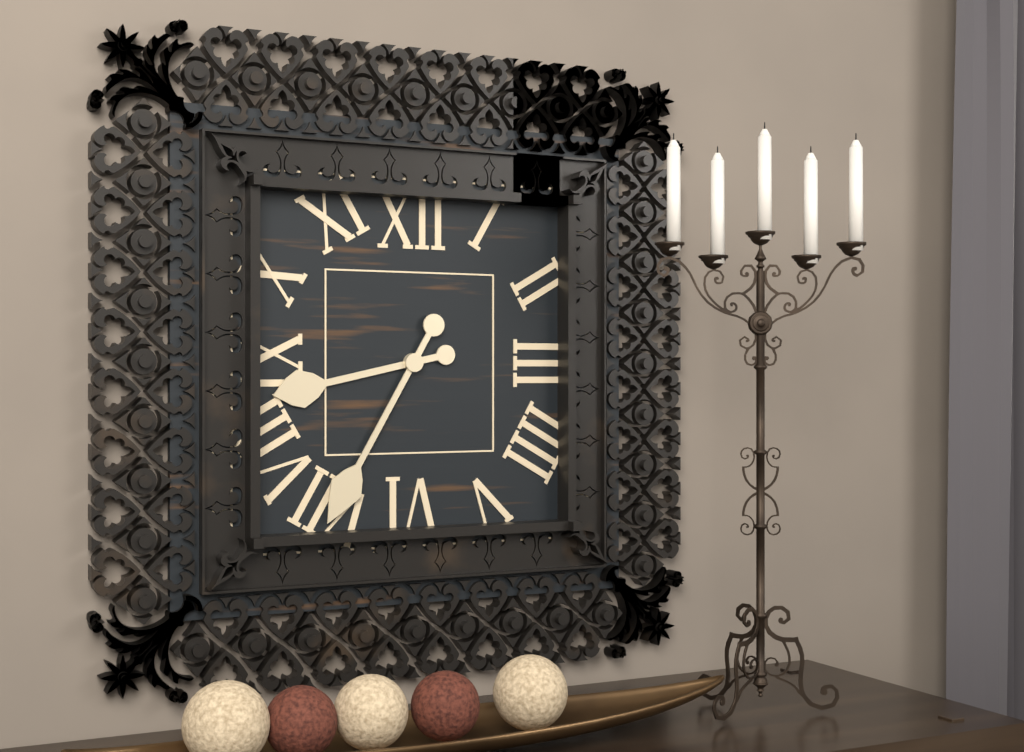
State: 8h35
